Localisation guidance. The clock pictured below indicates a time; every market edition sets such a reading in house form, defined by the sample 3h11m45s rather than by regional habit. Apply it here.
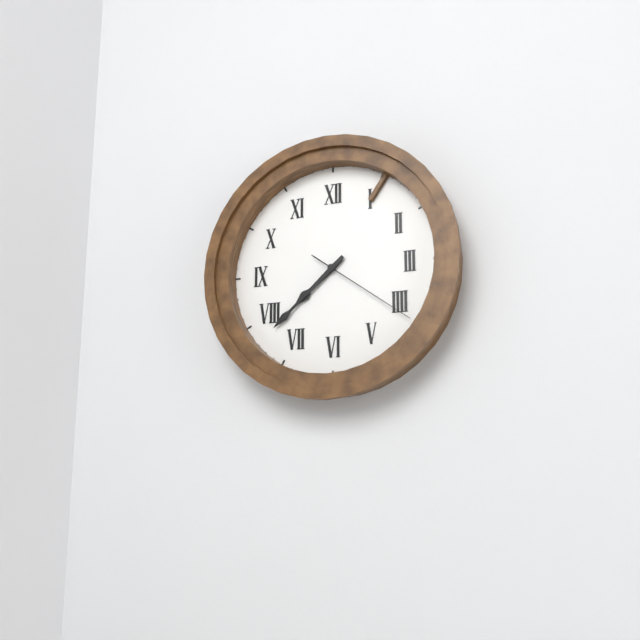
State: 7h38m21s
